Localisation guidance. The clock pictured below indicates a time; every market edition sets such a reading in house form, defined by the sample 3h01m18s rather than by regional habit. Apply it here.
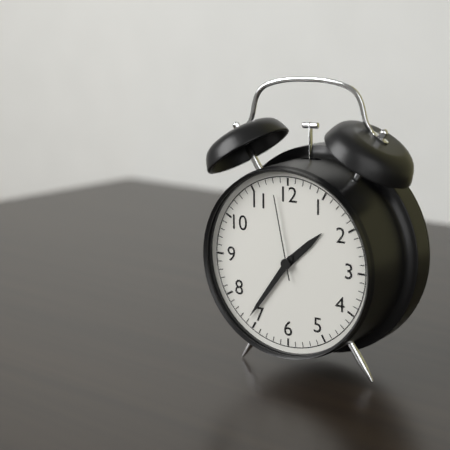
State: 1h36m58s
